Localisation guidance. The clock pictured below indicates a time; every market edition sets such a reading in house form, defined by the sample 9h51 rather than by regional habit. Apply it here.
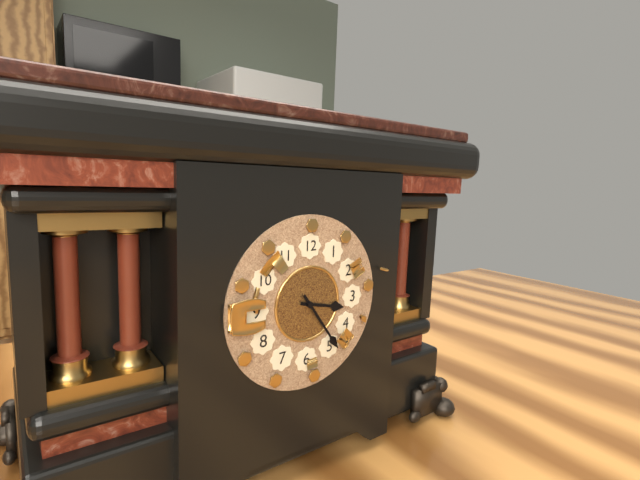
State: 3h24
